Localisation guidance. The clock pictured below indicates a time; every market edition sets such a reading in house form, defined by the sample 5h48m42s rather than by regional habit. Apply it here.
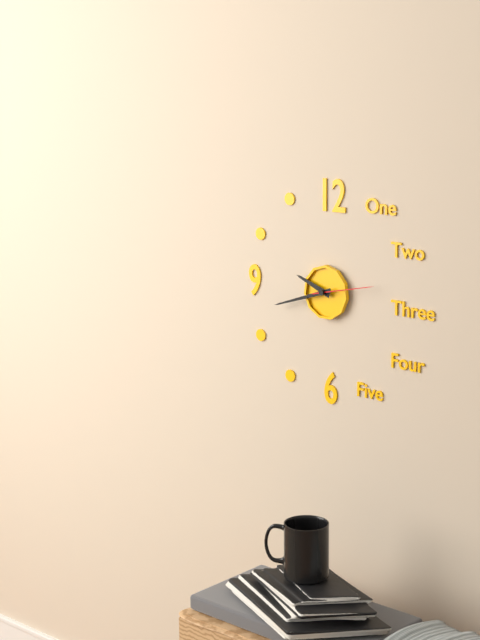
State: 9h42m13s
